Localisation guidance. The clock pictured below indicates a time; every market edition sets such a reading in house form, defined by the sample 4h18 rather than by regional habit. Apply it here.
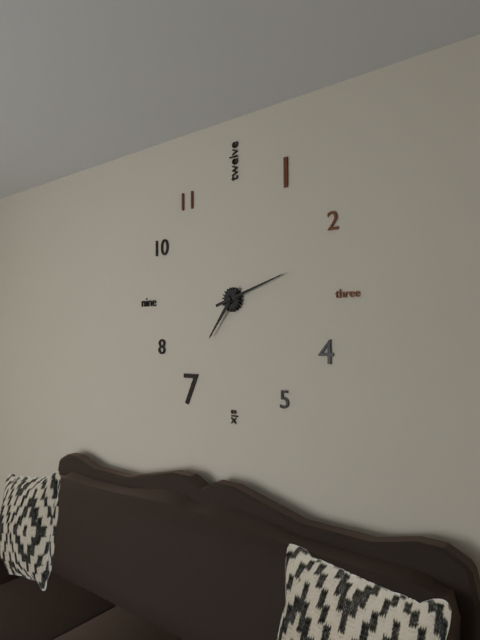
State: 7h12
